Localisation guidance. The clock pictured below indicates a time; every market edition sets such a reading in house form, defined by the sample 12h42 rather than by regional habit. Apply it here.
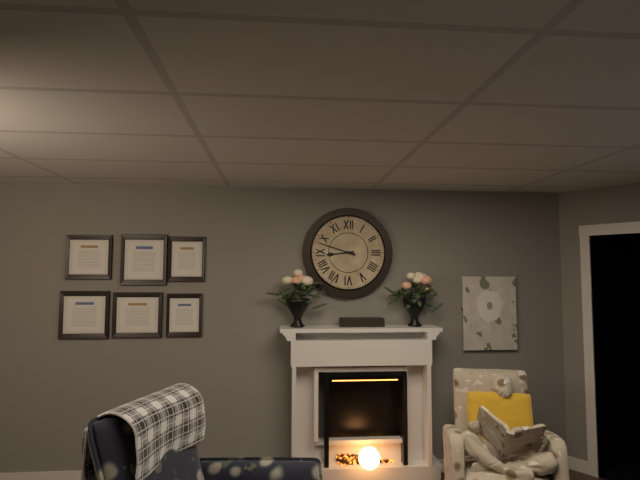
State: 8h48
